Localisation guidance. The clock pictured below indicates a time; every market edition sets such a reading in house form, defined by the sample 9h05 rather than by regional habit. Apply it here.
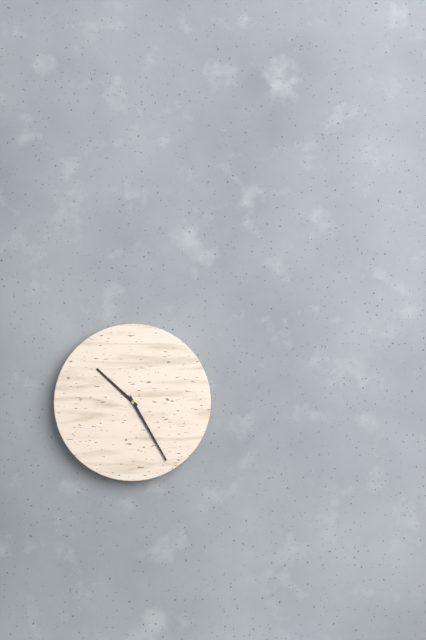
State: 10h25
